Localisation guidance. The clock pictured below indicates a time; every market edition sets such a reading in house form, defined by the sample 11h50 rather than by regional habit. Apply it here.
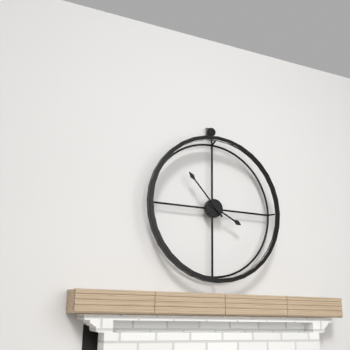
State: 3h53
